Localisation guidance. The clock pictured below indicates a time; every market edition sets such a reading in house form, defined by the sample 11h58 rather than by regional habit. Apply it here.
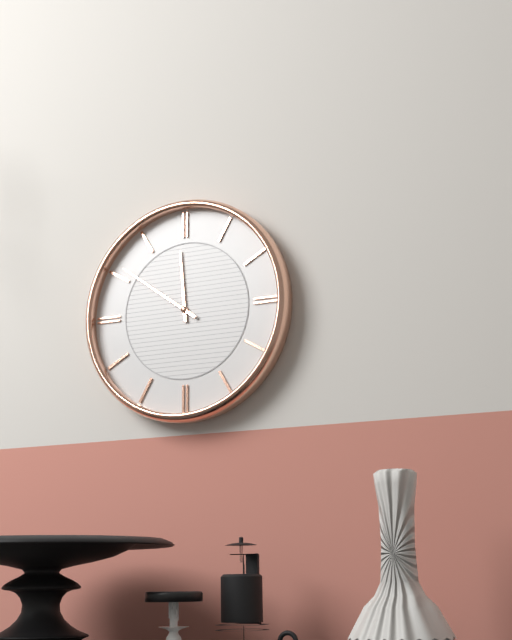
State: 11h51
